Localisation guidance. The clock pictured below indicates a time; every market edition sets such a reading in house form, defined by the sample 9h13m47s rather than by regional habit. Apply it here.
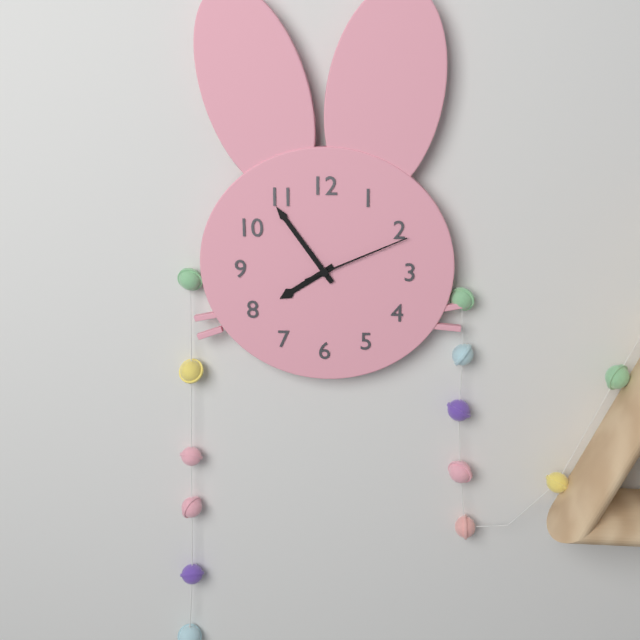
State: 7h54m11s
